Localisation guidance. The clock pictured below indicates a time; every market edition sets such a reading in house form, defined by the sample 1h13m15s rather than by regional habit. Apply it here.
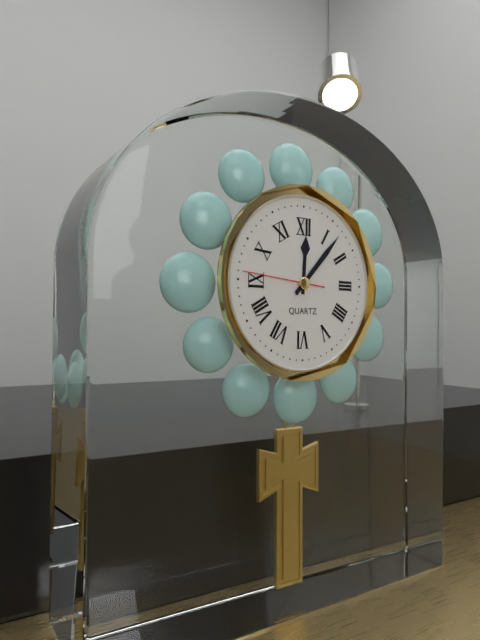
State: 12h07m46s
